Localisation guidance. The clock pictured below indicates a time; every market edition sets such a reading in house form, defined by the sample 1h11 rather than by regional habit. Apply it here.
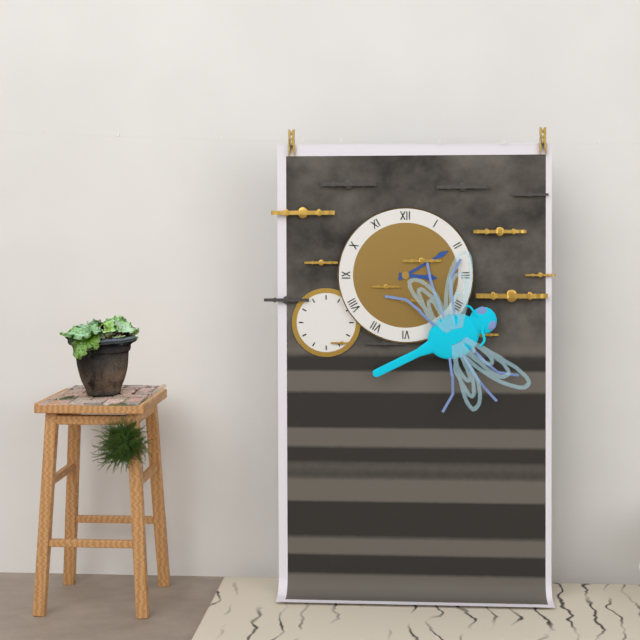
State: 3h10
